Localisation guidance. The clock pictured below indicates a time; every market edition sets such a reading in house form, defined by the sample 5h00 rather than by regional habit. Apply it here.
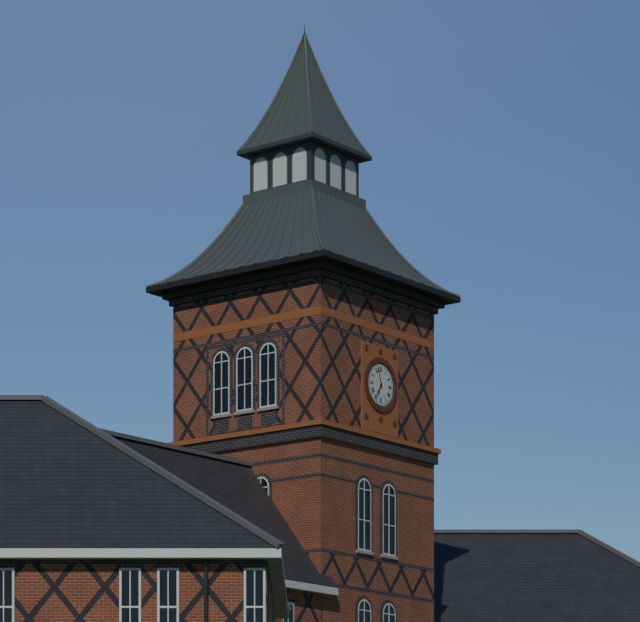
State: 6h57
